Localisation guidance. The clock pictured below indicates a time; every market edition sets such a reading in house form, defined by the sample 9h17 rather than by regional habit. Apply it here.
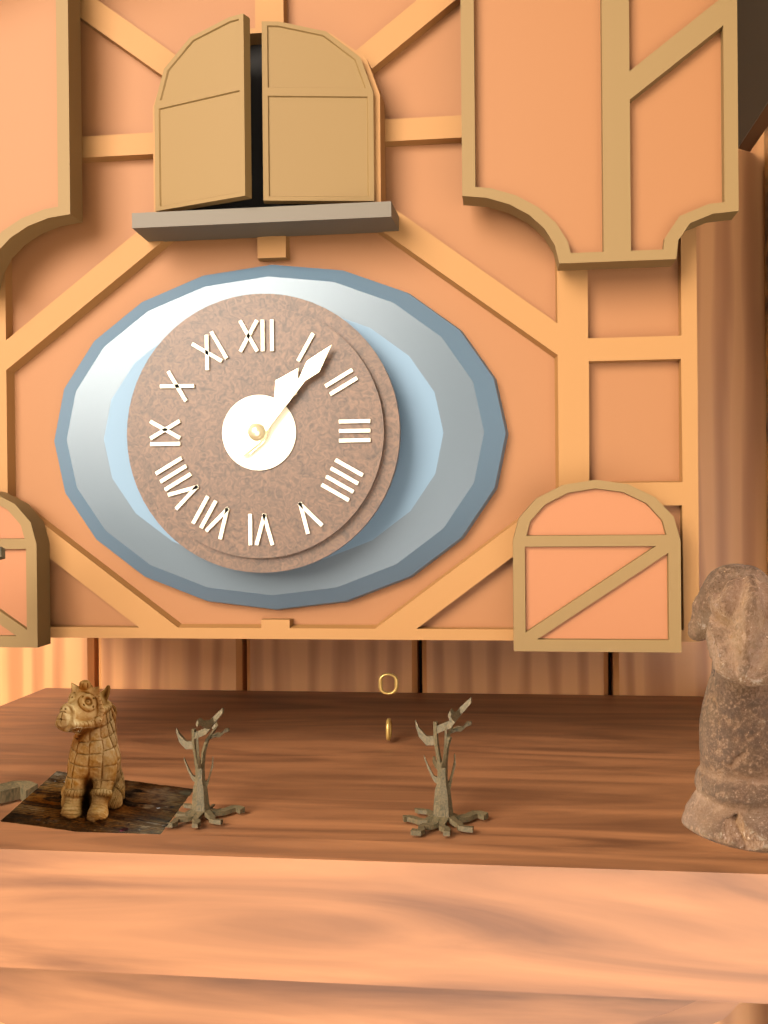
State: 1h07
